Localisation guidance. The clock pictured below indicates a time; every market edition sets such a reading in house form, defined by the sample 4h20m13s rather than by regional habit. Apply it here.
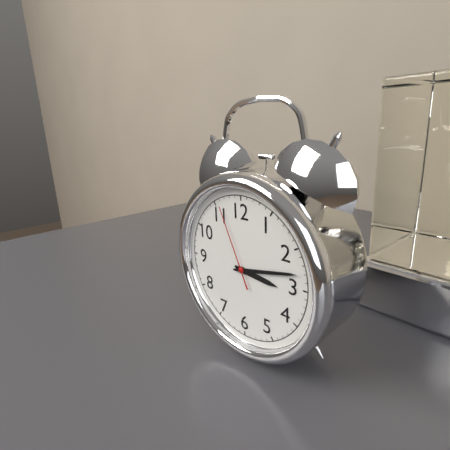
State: 3h13m56s
